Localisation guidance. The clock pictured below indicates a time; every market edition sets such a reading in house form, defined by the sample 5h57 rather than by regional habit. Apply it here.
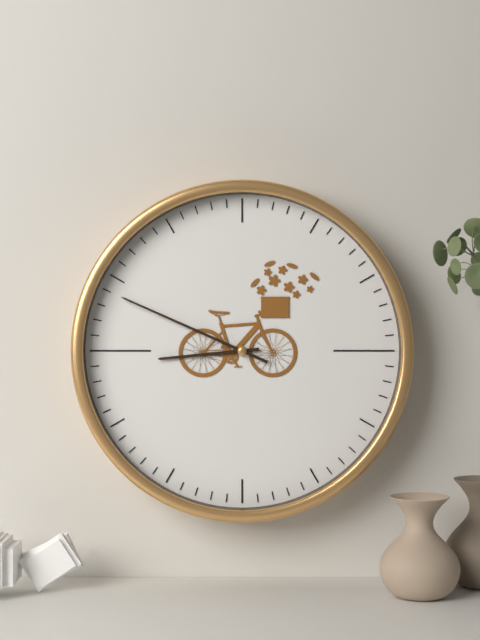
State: 8h49
